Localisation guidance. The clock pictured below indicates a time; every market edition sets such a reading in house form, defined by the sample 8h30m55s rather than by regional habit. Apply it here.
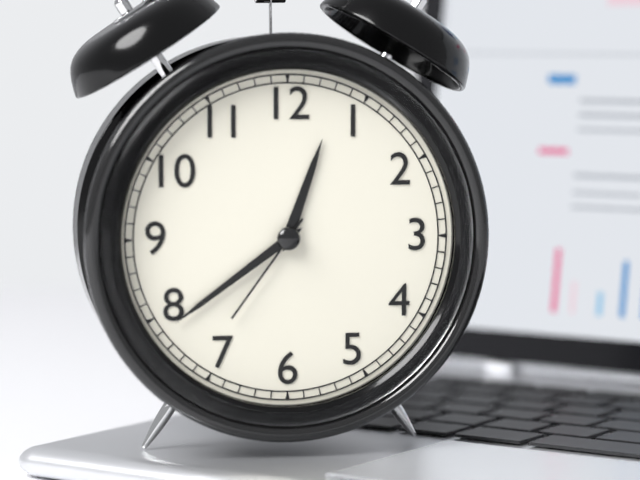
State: 12h39m36s
